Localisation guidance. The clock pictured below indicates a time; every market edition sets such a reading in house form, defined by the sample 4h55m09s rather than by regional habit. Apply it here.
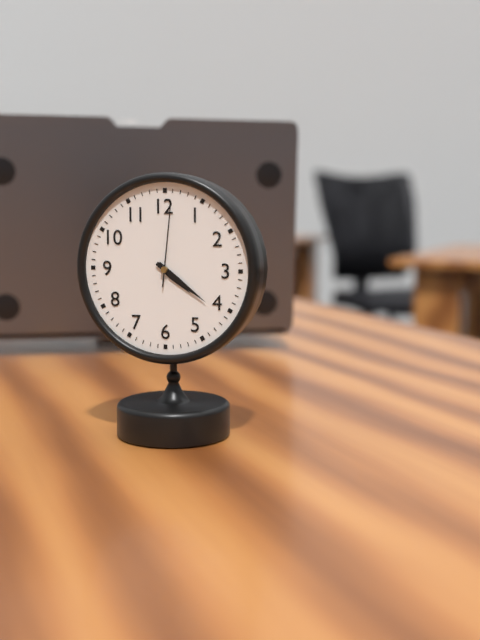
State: 4h21m01s
